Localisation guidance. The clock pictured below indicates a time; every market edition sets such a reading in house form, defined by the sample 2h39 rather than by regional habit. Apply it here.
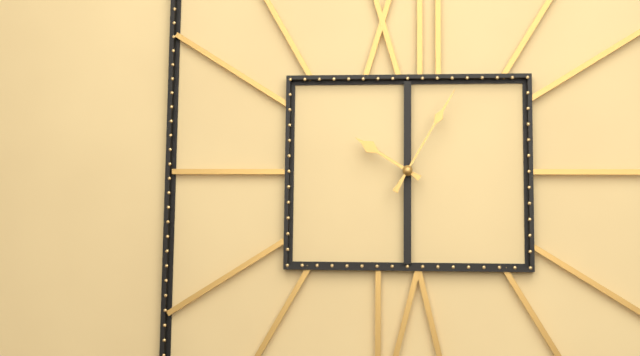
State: 10h05
